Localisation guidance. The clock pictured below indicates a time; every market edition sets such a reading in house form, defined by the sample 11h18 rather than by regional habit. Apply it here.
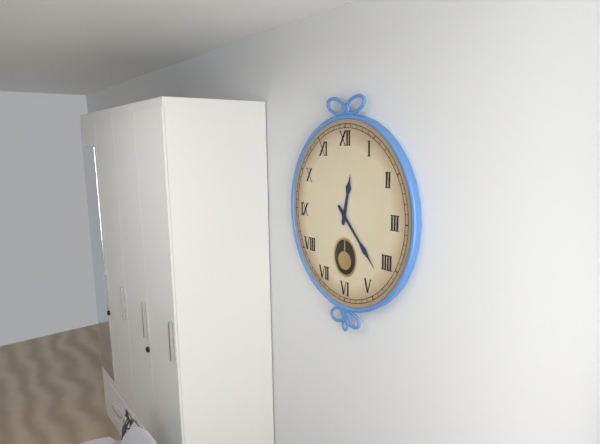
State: 12h23
